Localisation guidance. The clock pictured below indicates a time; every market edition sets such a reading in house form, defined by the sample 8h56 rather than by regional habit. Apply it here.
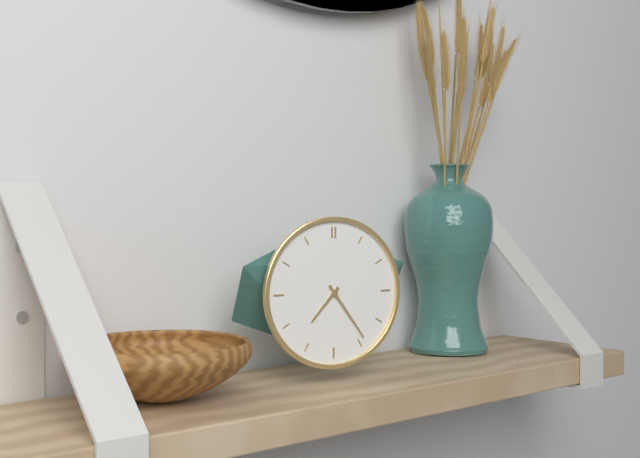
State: 7h24
